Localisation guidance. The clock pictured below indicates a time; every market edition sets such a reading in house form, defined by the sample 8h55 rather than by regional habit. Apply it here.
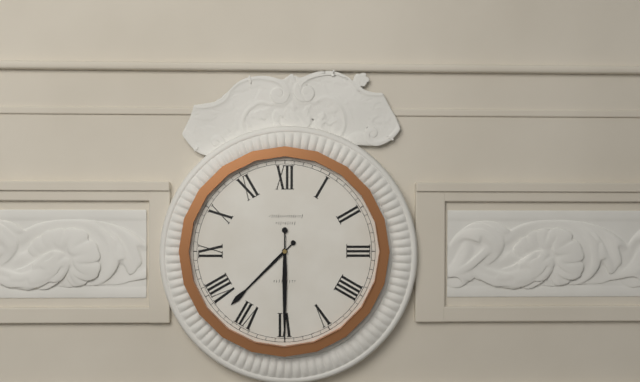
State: 7h30
